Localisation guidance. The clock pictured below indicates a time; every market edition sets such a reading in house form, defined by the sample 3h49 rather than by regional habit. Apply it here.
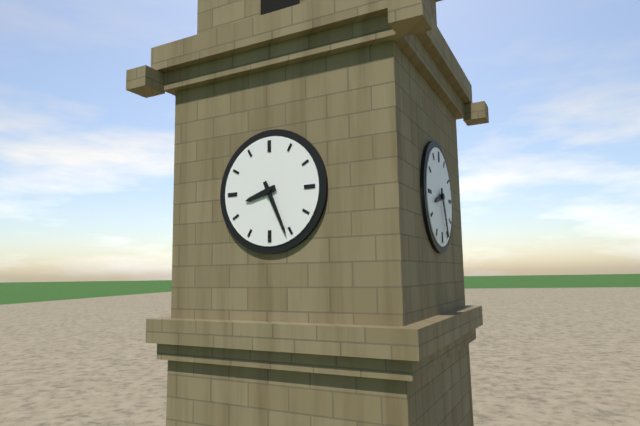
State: 8h26
